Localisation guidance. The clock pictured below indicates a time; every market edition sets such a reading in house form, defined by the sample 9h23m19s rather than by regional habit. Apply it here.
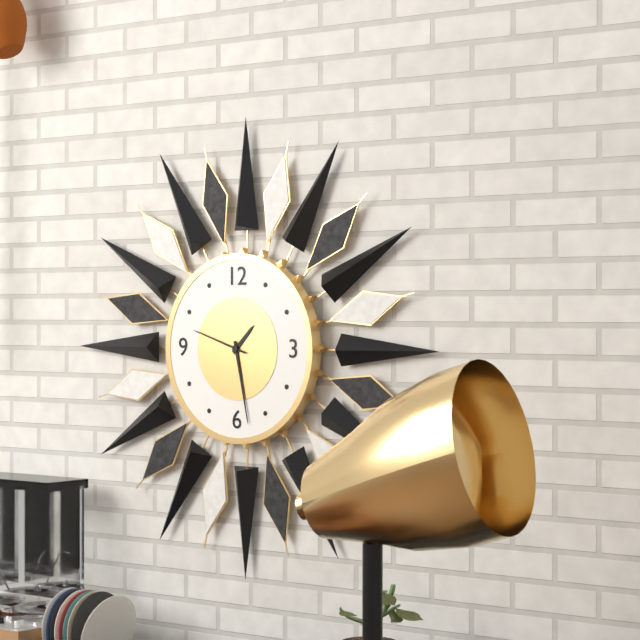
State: 1h28m48s
